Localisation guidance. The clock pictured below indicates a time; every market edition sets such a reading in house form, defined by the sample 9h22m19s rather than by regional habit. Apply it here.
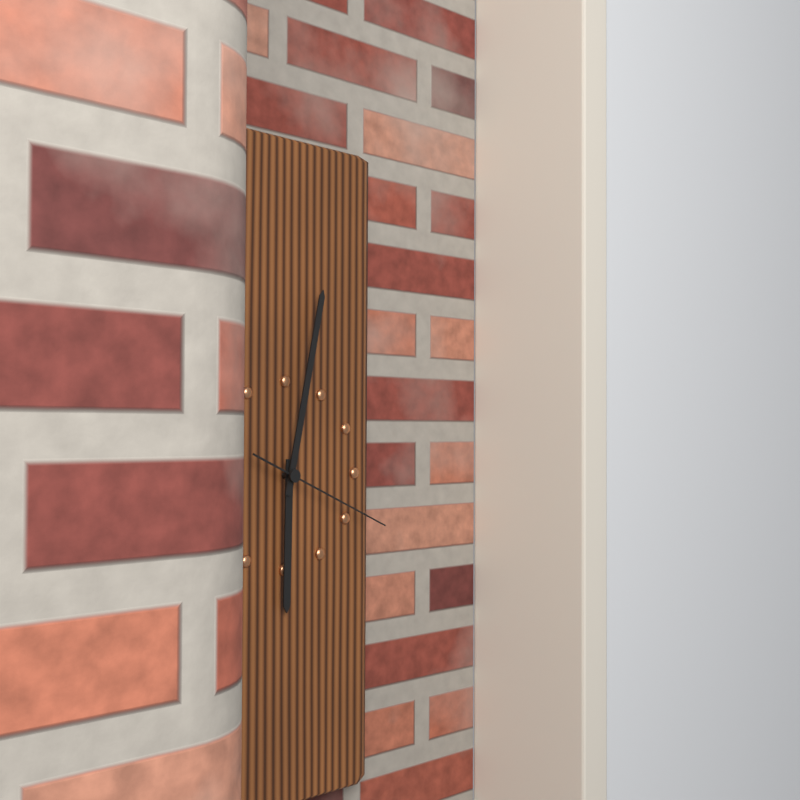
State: 6h02m19s
